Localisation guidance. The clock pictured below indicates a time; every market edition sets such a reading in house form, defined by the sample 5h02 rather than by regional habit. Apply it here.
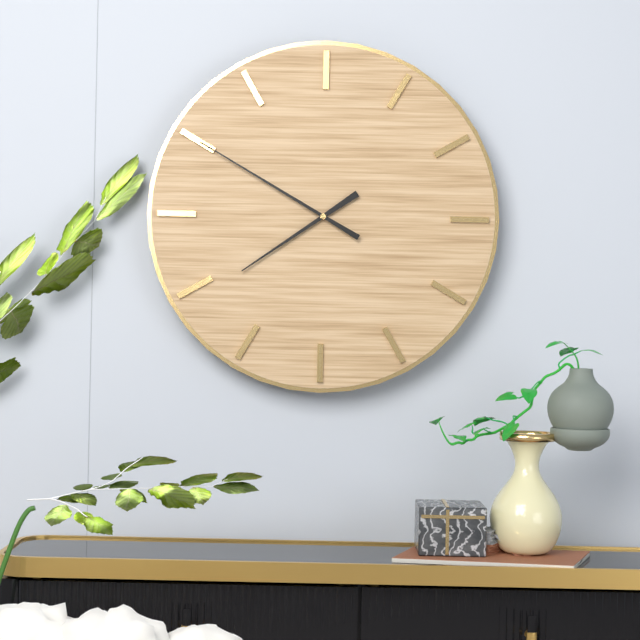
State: 7h50
